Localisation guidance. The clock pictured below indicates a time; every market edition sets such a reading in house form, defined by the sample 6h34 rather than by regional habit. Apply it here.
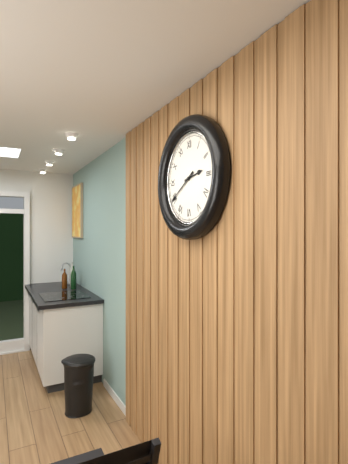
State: 2h40
